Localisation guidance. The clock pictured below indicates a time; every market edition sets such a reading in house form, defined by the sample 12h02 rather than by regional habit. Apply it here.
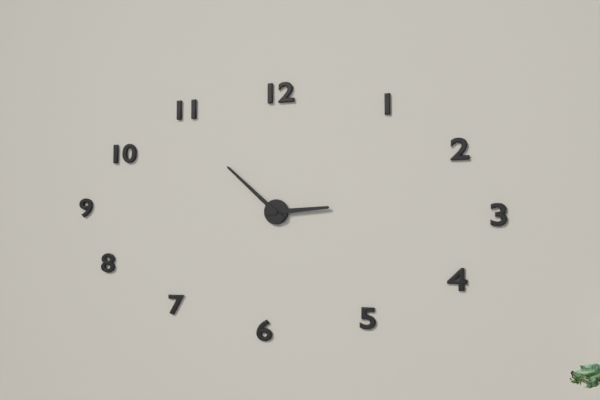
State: 2h52
